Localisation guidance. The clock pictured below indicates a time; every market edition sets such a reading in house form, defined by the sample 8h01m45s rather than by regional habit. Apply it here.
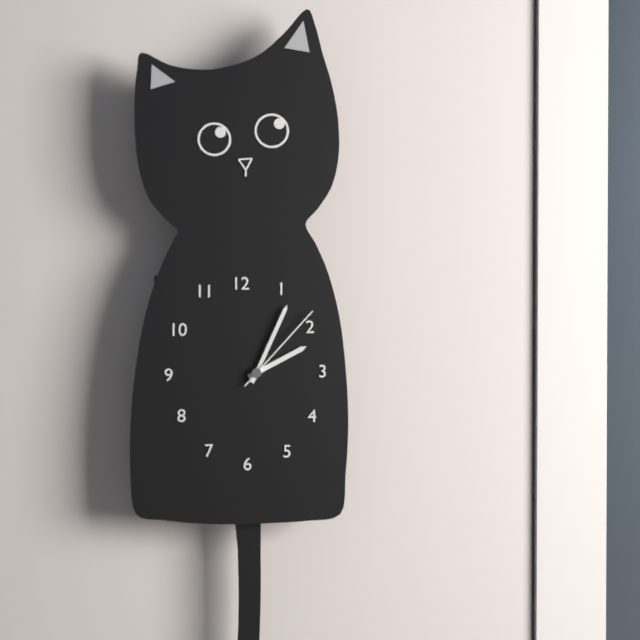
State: 2h04m07s
